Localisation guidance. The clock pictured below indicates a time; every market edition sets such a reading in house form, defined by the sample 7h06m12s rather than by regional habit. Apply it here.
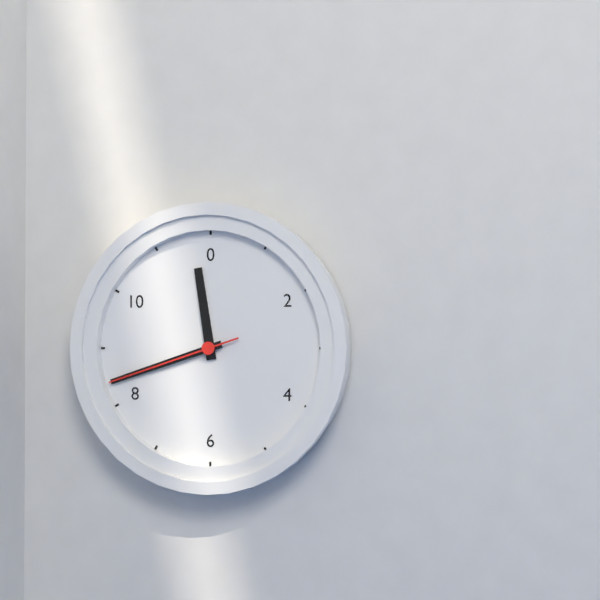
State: 11h42m42s
